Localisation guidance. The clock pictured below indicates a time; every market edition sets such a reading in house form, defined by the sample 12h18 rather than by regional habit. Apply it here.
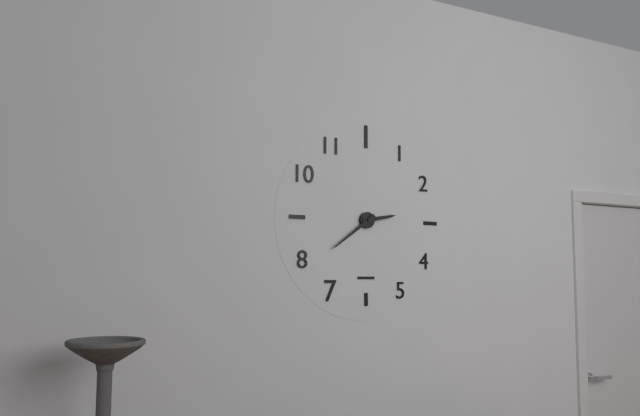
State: 2h39
